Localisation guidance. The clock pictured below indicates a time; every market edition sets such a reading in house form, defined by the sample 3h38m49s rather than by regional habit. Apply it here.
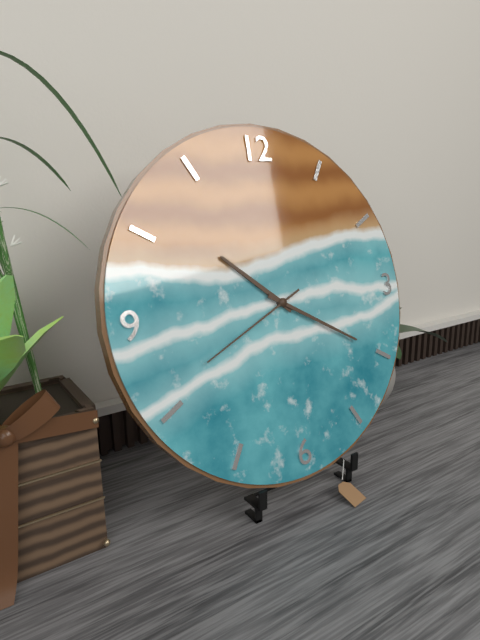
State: 10h20m41s
